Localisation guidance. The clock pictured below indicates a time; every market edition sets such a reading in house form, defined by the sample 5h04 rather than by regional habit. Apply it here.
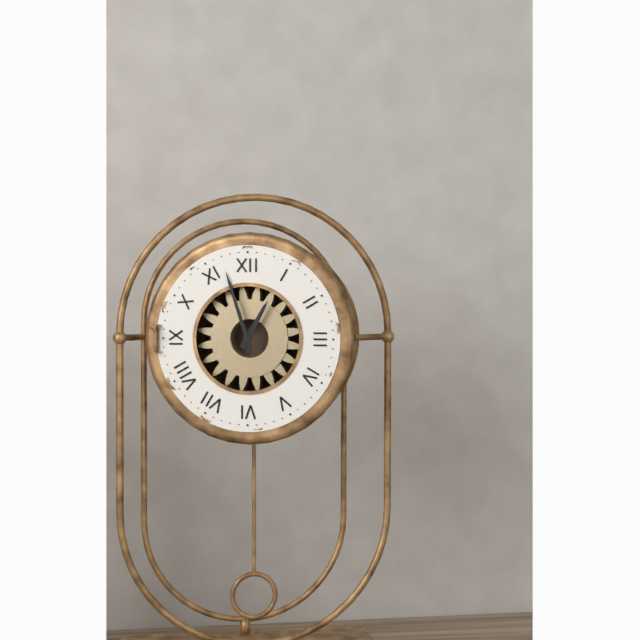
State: 12h57
